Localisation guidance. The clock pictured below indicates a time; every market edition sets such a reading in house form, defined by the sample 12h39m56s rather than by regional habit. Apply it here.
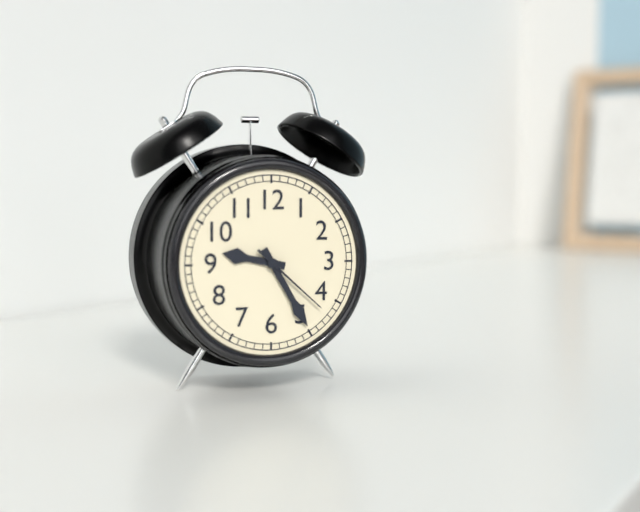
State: 9h25m22s
